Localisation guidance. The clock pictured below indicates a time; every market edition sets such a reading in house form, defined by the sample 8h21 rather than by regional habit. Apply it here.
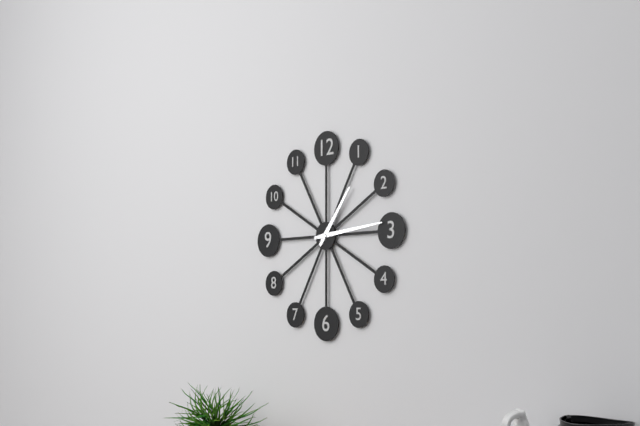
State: 1h14
